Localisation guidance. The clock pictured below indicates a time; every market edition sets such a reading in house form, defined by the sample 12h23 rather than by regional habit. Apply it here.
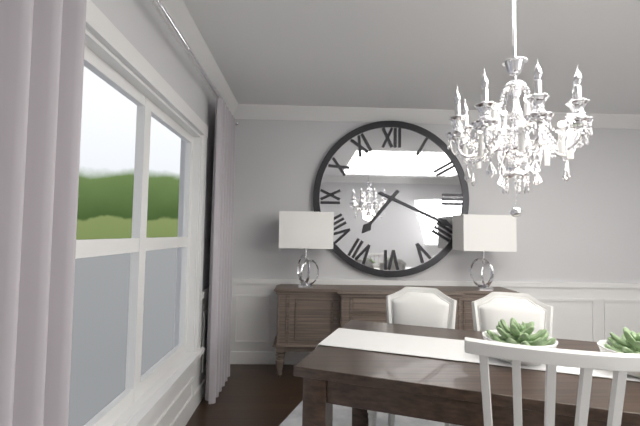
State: 7h19
